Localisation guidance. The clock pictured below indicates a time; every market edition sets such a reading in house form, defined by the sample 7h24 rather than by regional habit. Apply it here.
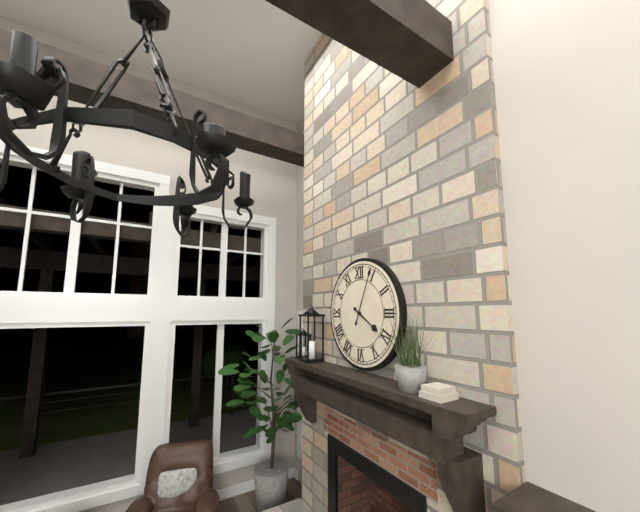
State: 4h04
